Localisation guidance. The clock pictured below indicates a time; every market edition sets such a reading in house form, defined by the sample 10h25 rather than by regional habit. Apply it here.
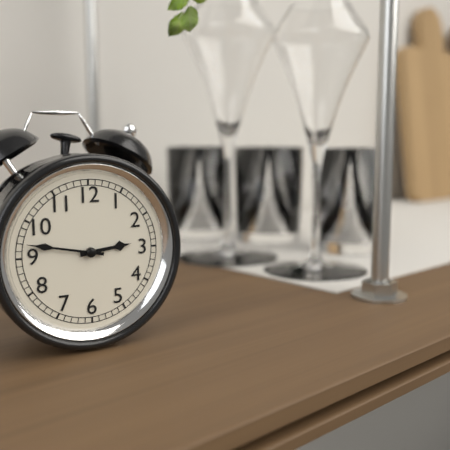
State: 2h47
